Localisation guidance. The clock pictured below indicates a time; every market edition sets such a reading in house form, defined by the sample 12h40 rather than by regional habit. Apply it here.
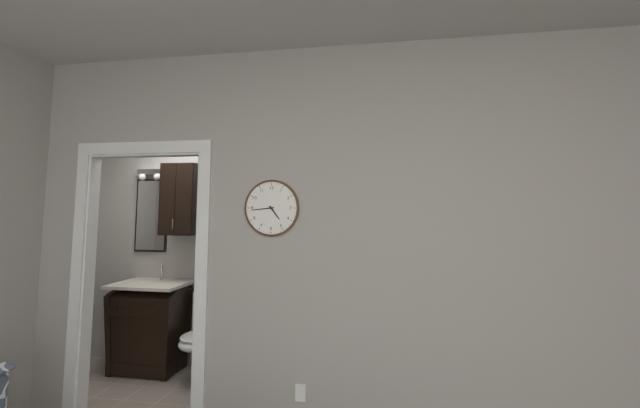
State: 4h44
